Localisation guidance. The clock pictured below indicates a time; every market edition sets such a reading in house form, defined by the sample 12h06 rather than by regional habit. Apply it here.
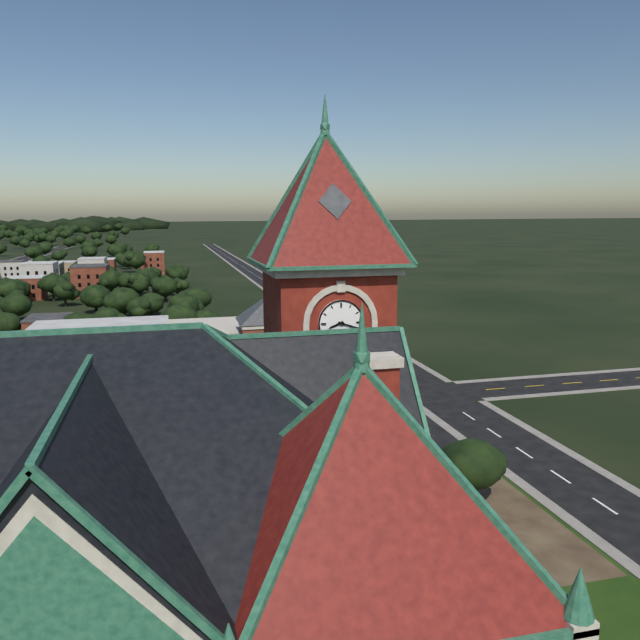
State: 8h18
